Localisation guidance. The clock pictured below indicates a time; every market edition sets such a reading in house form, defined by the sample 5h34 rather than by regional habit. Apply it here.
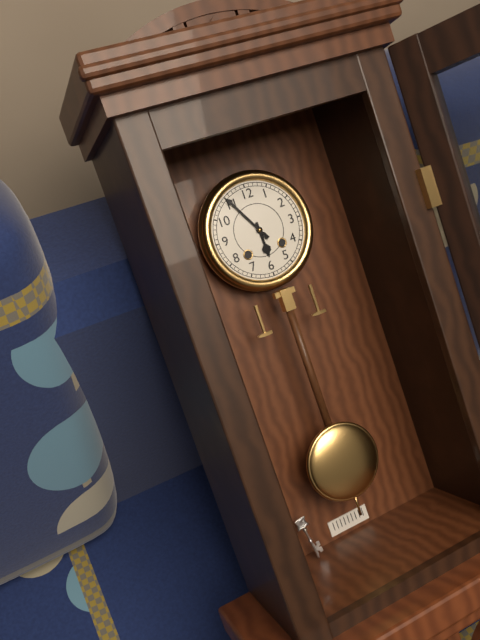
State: 5h55
